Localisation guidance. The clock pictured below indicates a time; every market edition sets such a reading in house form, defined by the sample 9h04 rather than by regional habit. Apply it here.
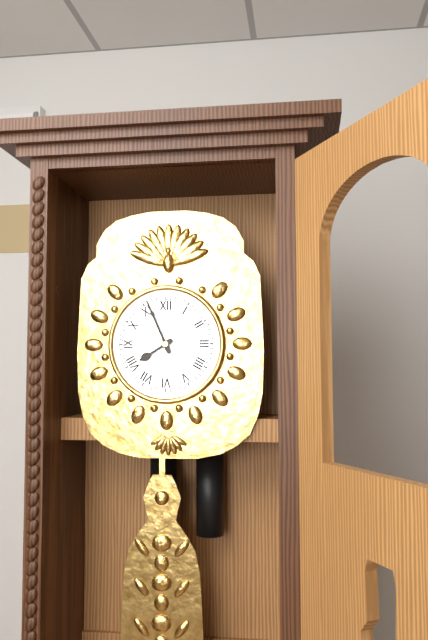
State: 7h56
